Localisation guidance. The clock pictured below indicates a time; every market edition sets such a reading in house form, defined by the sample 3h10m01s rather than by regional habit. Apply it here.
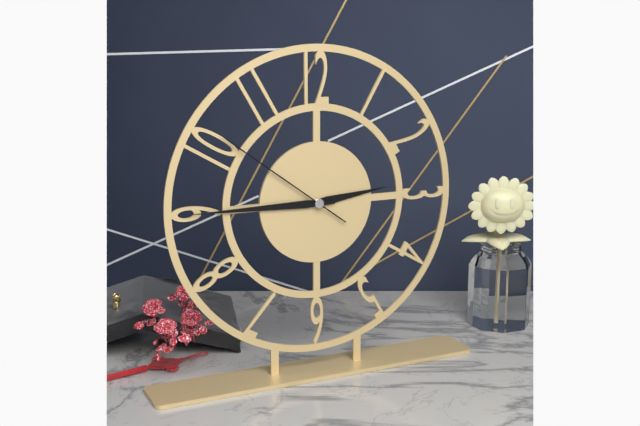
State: 2h45m51s
